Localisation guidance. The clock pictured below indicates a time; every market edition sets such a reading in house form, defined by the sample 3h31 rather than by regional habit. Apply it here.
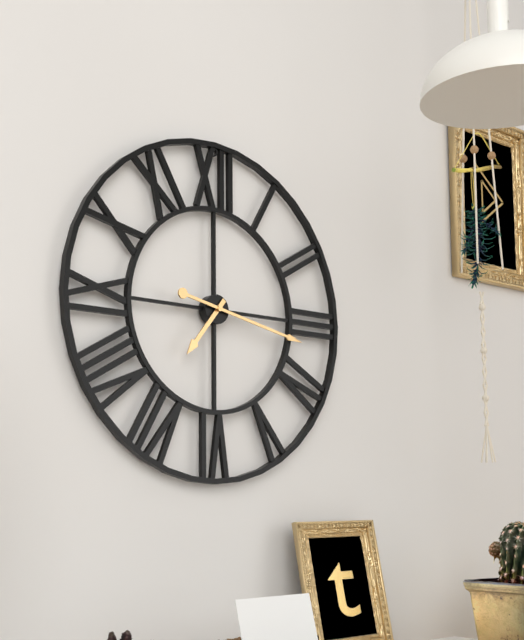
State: 7h17
